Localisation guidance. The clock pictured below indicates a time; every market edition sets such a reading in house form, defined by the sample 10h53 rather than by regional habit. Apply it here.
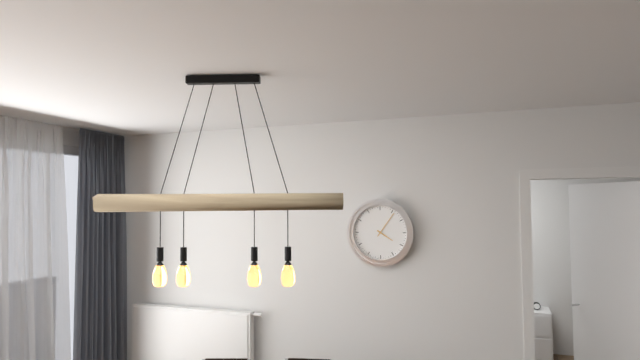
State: 4h06
